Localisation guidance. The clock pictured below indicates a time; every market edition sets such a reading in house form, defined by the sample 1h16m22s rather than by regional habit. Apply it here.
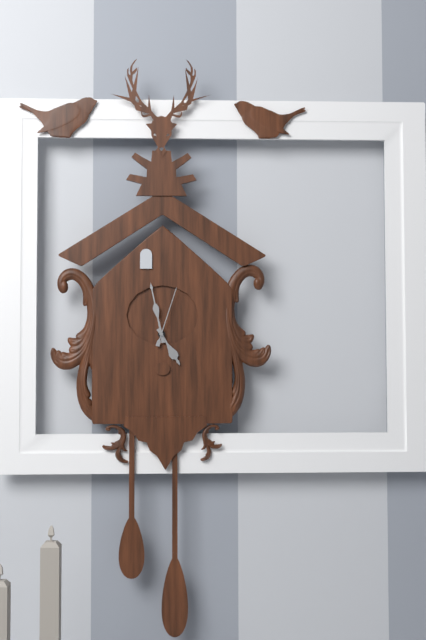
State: 4h58m03s
